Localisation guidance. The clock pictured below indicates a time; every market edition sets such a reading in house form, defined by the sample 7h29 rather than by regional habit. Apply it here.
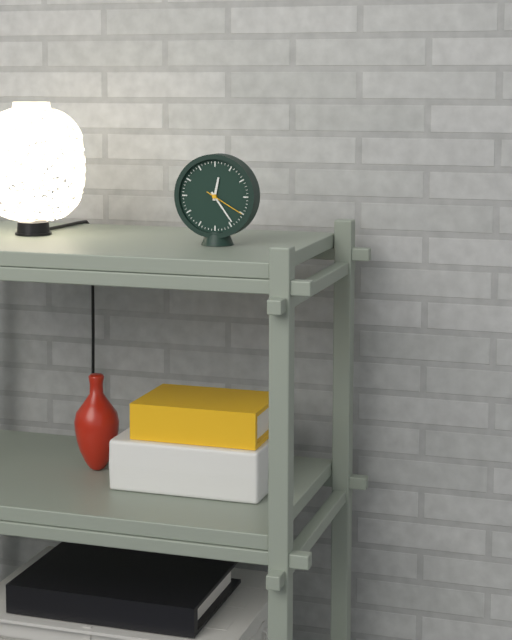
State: 12h24
